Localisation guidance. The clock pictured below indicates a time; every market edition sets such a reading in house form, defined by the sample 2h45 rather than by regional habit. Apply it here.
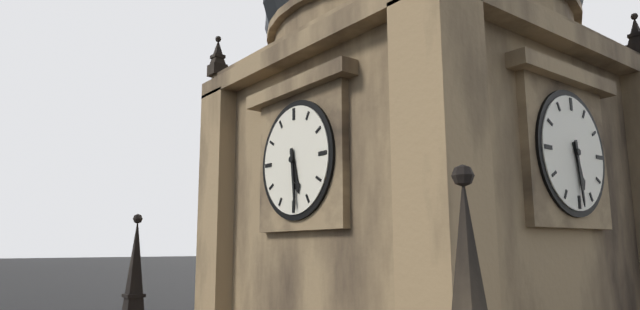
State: 5h29
